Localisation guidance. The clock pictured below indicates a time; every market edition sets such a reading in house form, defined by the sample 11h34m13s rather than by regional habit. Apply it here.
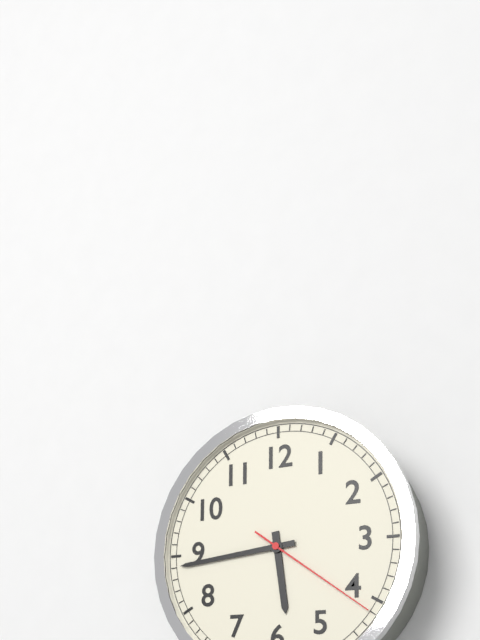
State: 5h44m21s
